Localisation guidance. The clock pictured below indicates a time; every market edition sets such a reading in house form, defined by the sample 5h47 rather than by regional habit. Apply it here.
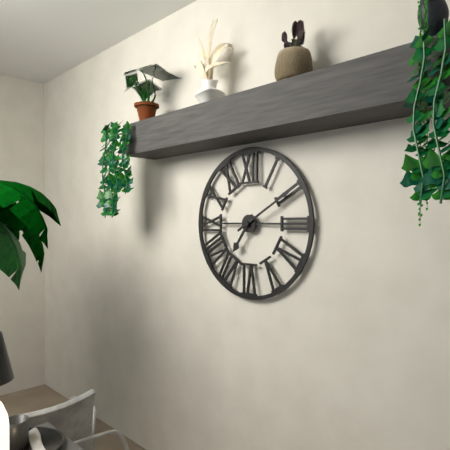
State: 7h10
